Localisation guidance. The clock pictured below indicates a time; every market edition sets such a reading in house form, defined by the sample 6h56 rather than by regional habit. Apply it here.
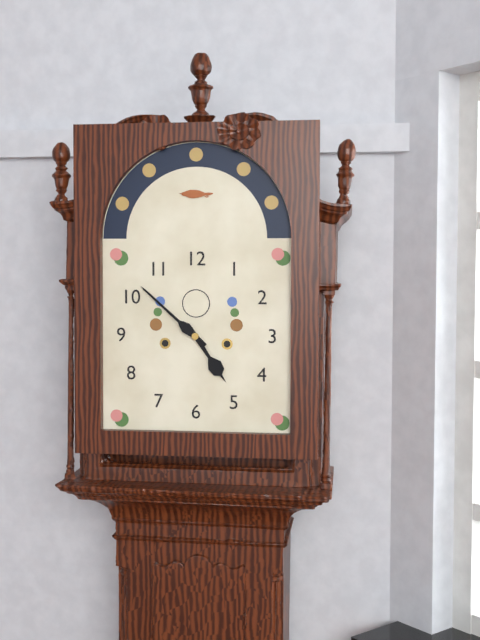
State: 4h52
